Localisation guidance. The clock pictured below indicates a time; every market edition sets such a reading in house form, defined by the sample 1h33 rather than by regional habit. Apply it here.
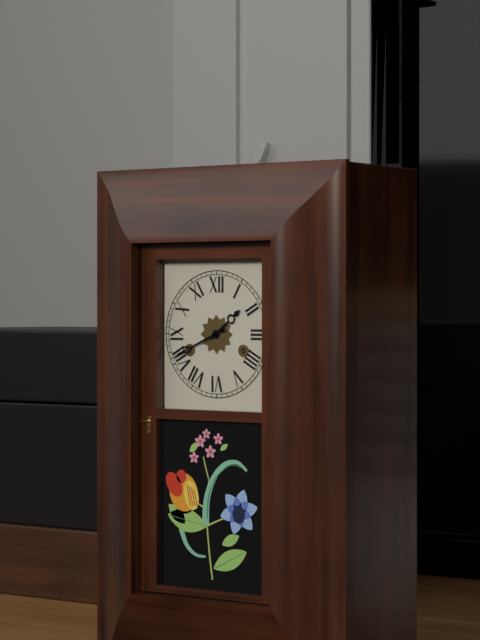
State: 1h41
